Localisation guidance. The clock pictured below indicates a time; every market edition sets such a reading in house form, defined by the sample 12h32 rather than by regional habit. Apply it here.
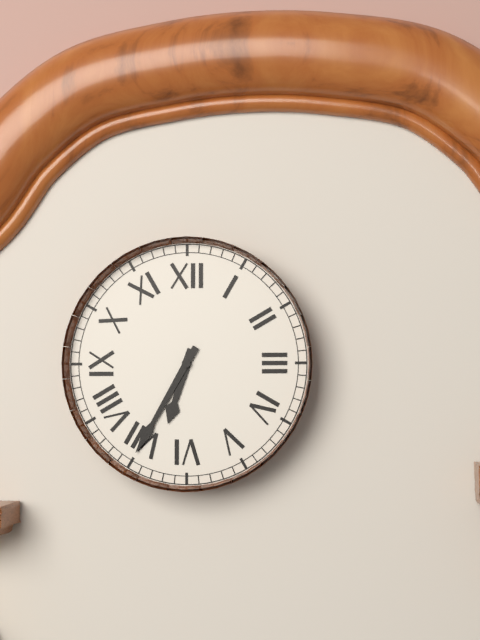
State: 6h35
